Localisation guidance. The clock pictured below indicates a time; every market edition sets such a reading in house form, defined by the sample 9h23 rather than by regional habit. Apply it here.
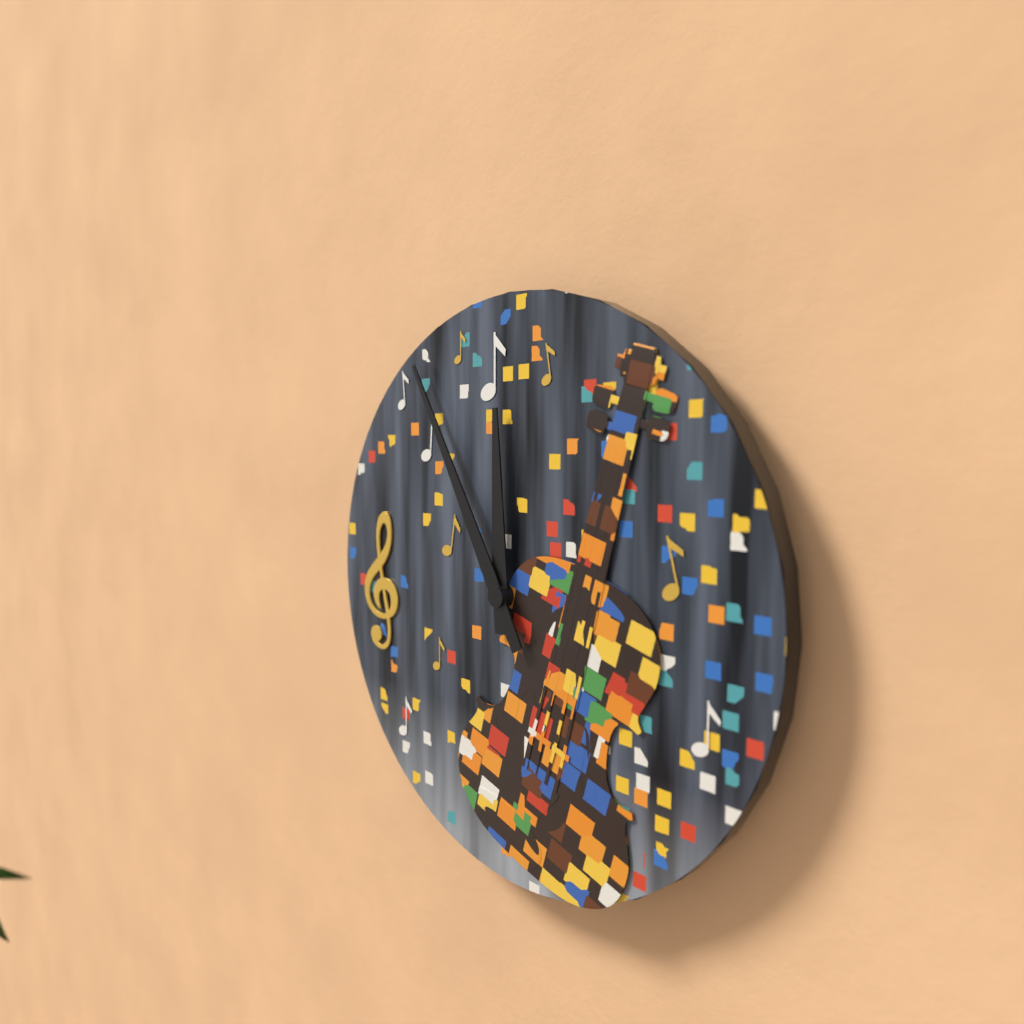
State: 11h55
